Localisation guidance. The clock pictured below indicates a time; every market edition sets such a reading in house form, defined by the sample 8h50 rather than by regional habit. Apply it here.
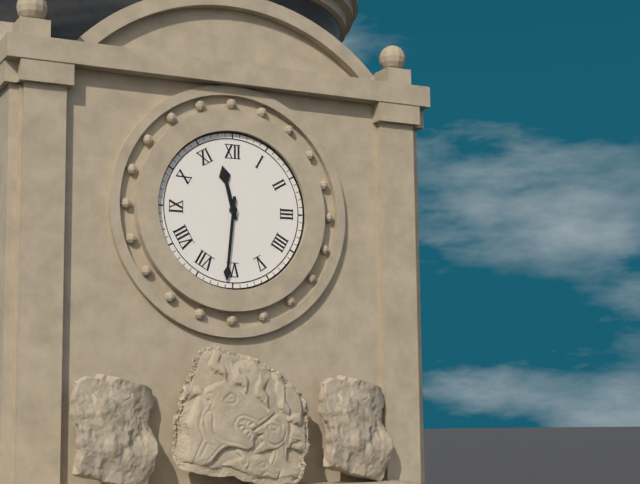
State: 11h31
